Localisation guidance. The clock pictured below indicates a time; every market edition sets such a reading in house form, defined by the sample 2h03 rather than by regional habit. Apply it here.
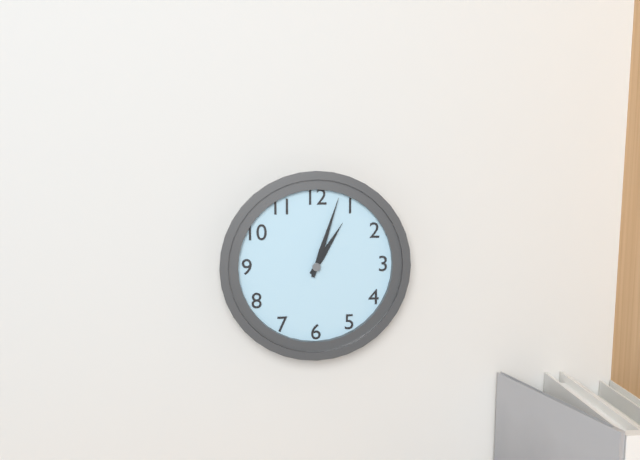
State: 1h03
